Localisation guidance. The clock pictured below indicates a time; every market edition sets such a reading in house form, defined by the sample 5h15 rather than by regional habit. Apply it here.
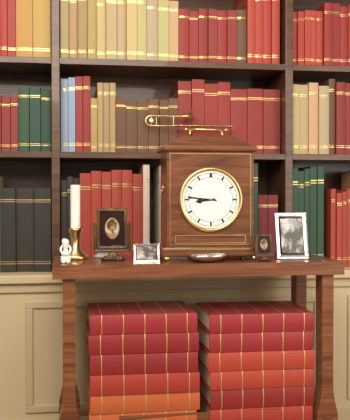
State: 8h46
